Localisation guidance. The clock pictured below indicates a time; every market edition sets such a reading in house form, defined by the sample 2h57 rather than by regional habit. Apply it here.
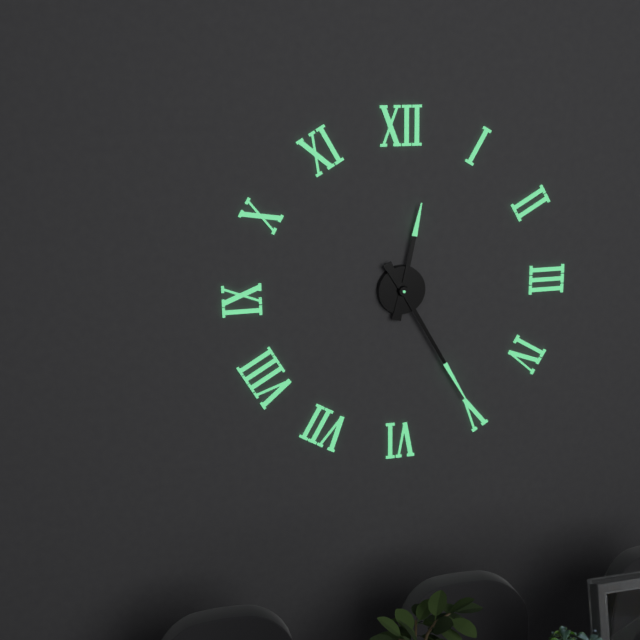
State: 12h25
